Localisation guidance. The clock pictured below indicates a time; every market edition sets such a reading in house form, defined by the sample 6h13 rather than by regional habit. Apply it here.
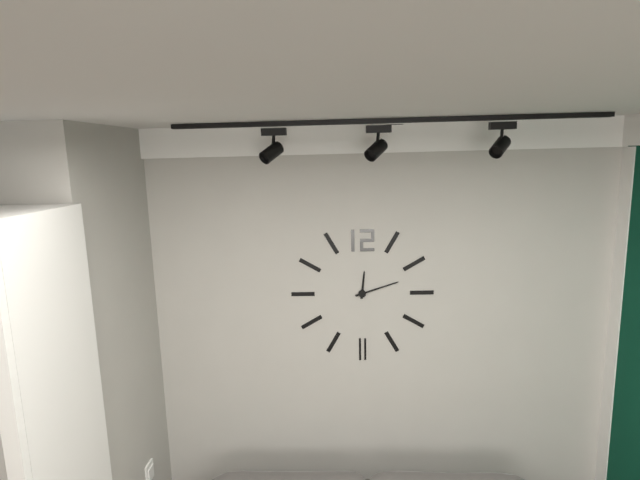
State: 12h12
